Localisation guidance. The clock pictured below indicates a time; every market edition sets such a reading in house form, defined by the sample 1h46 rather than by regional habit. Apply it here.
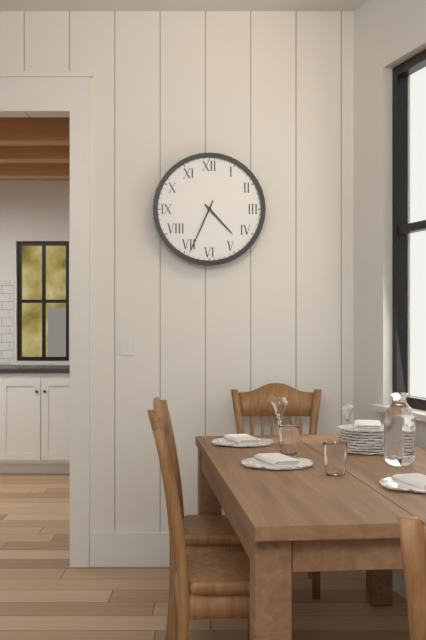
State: 4h34
